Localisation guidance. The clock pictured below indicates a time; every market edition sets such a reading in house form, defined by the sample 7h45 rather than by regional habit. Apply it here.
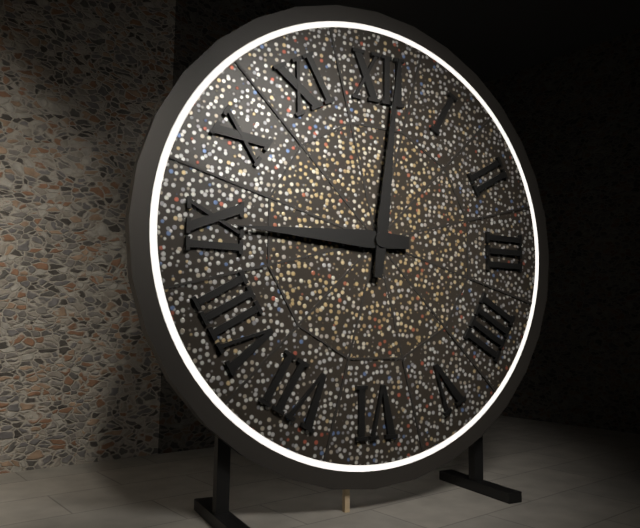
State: 9h01
